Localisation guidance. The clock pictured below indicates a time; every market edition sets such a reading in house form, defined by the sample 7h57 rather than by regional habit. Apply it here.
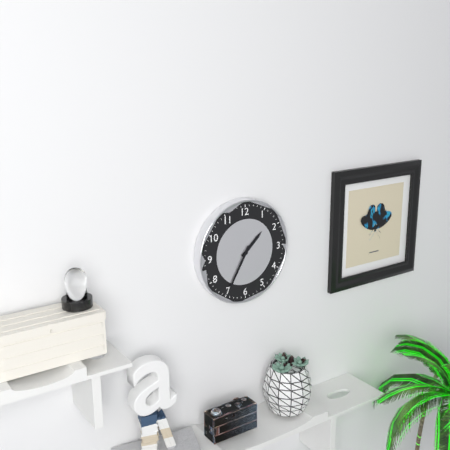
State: 1h35
